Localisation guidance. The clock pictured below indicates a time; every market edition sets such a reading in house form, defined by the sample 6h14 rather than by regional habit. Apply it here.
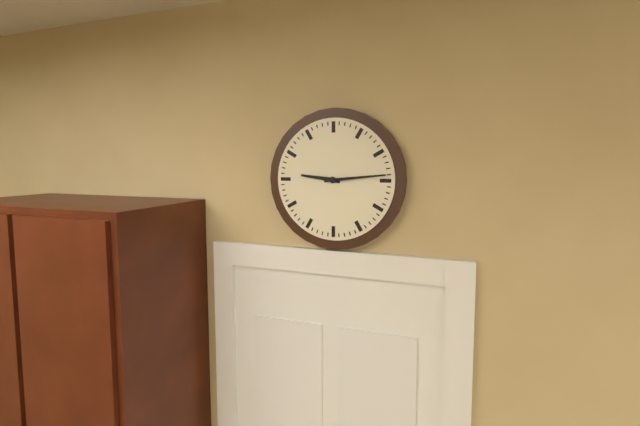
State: 9h14
